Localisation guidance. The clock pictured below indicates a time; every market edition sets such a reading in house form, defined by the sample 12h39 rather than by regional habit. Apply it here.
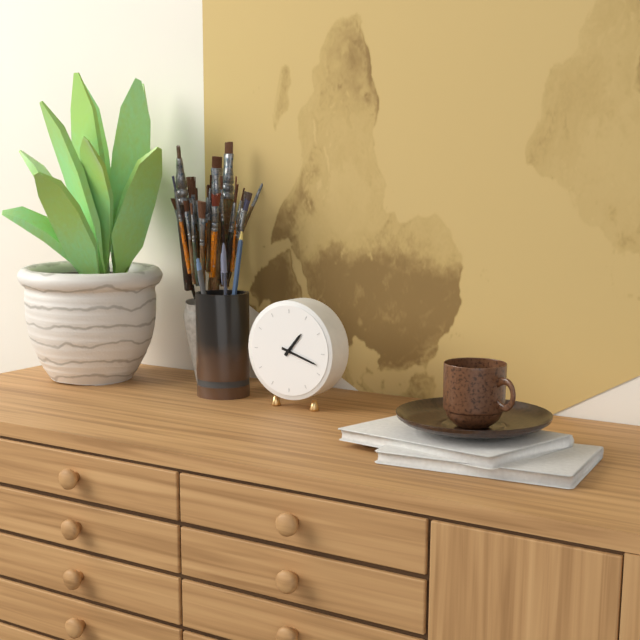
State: 1h18
